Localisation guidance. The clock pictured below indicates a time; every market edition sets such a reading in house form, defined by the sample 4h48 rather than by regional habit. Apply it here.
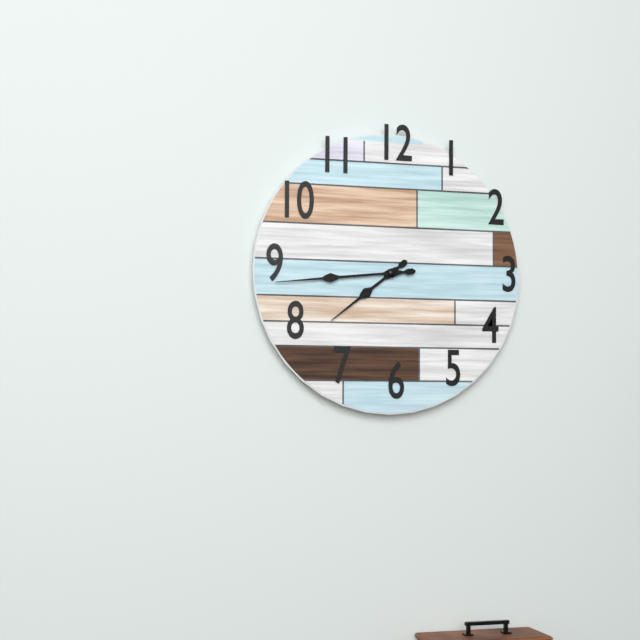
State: 7h44
